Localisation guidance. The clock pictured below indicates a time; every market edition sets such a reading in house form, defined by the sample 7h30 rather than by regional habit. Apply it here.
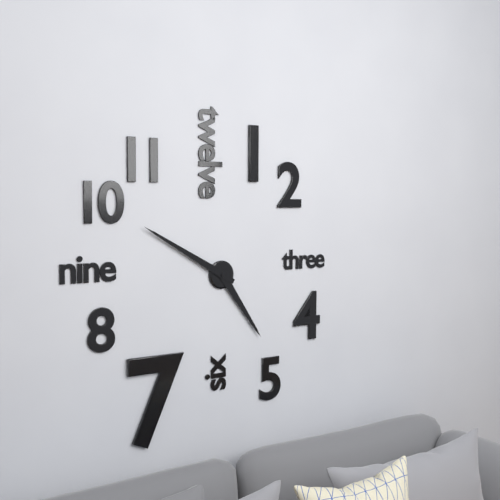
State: 4h50
